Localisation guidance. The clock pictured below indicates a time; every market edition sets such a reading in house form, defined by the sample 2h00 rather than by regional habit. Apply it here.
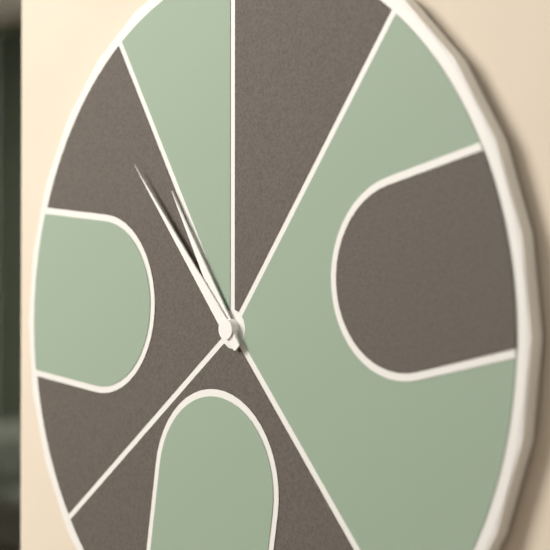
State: 10h53
